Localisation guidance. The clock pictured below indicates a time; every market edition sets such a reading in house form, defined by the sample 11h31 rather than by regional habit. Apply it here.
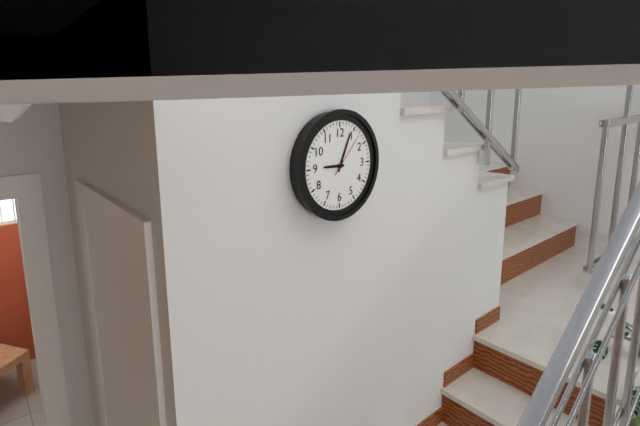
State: 9h04
